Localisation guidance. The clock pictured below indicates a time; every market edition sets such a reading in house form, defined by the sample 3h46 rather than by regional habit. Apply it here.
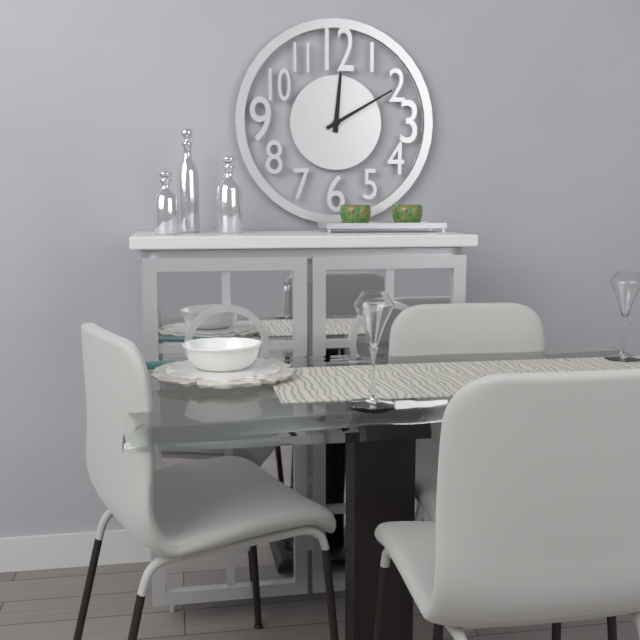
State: 12h10
